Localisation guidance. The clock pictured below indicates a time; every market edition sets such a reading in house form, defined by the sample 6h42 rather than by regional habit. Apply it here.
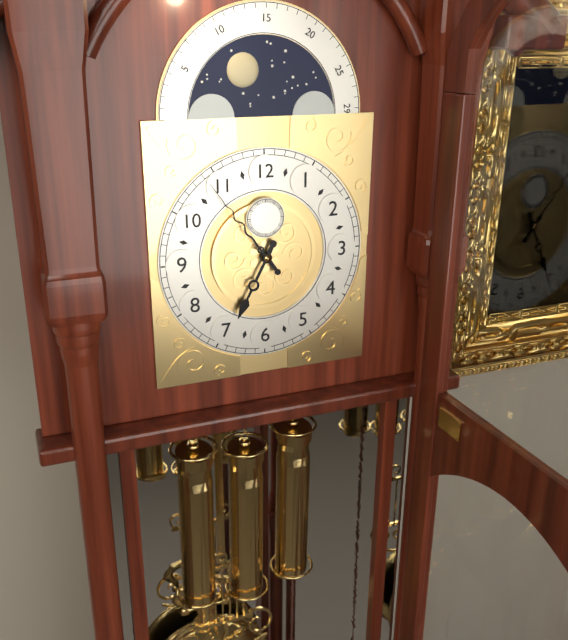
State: 6h54
